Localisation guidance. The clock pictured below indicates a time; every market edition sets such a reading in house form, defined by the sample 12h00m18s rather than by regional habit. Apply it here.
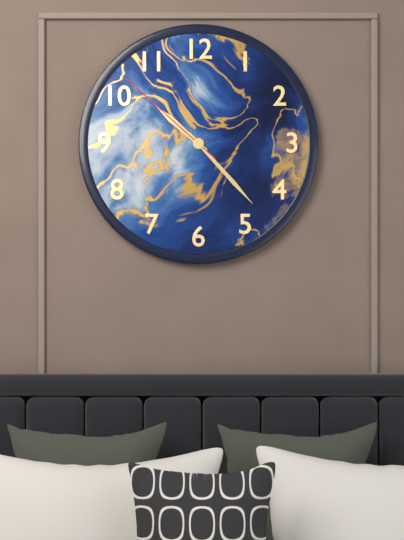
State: 10h23m52s
